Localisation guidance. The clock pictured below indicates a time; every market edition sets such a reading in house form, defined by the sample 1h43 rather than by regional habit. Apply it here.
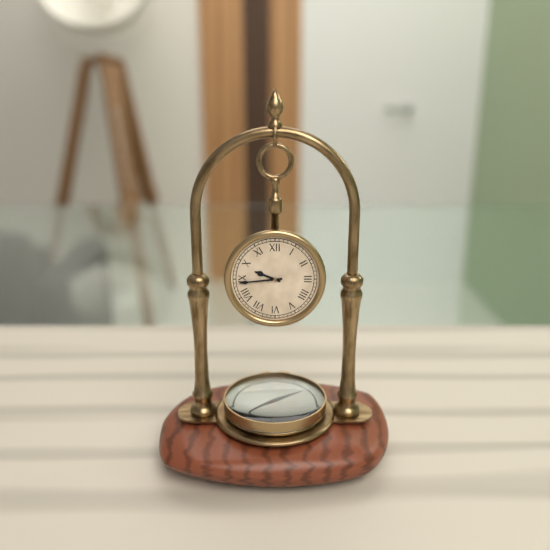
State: 9h44
